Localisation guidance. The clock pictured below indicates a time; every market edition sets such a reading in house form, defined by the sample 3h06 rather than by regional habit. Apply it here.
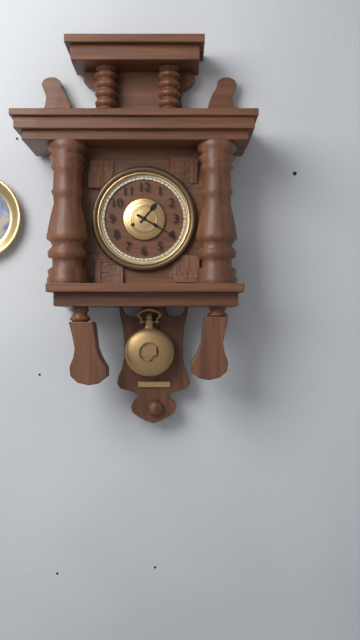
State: 1h20
